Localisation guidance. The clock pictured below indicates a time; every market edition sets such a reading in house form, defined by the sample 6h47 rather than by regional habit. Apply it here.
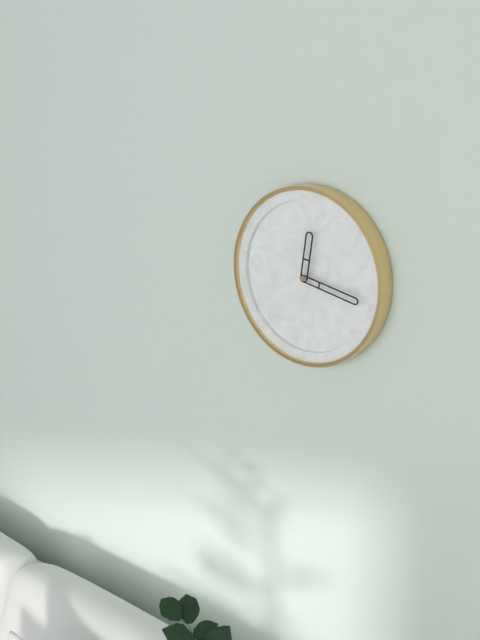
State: 12h17
